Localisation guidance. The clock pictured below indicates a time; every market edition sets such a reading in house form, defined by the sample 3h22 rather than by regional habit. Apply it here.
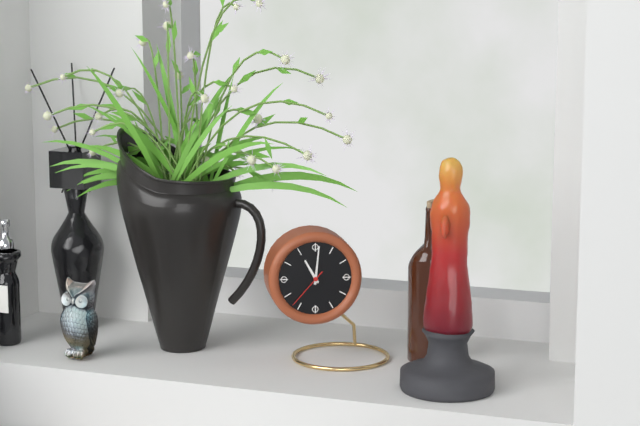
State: 11h01
